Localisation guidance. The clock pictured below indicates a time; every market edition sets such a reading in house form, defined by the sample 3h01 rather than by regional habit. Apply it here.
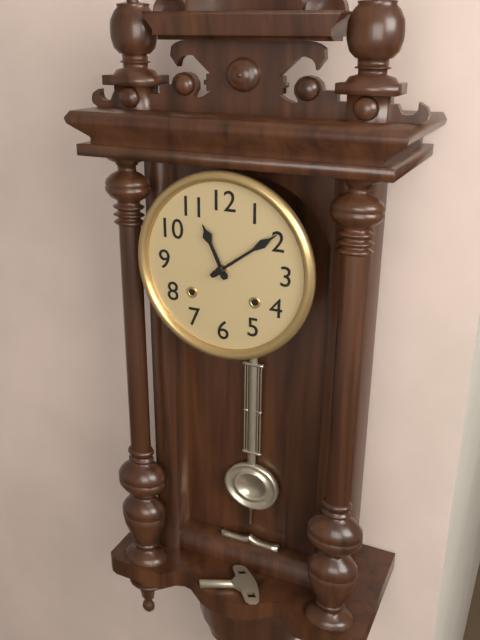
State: 11h09
